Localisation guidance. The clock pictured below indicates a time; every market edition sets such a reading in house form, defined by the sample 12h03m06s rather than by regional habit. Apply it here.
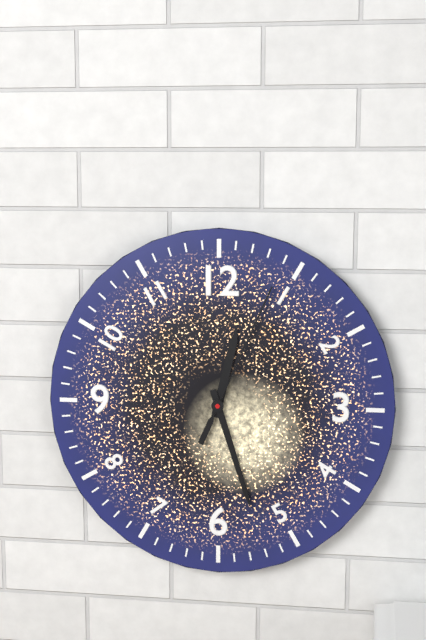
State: 12h27m04s
